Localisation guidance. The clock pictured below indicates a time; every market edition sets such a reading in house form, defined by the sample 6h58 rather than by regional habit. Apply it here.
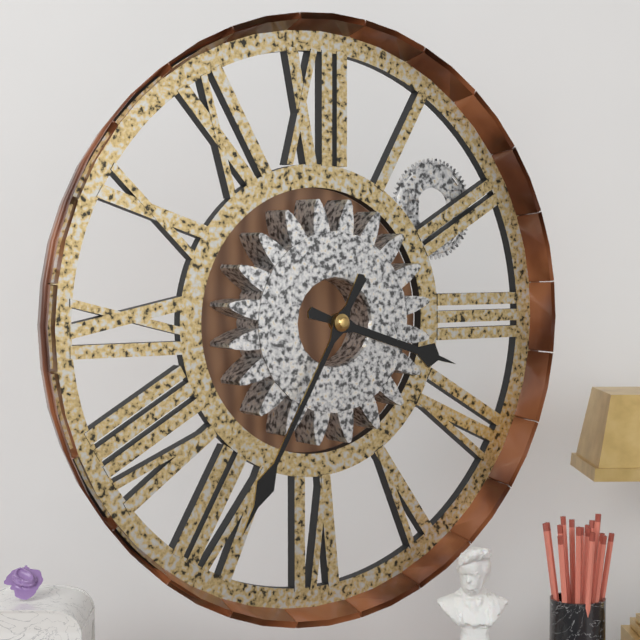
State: 3h35
